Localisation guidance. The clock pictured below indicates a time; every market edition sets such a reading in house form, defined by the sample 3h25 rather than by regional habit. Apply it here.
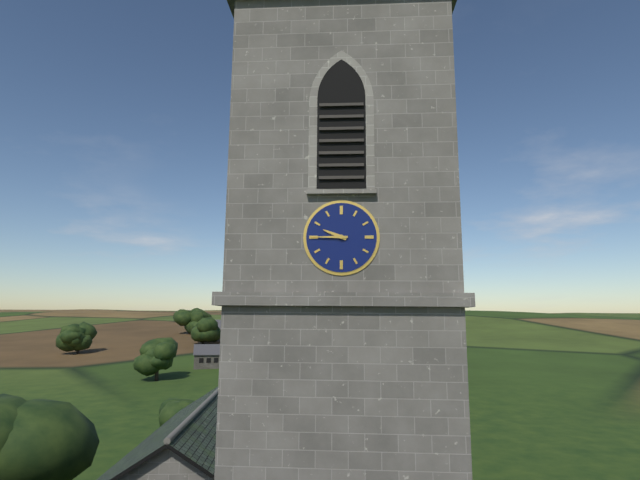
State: 9h45
